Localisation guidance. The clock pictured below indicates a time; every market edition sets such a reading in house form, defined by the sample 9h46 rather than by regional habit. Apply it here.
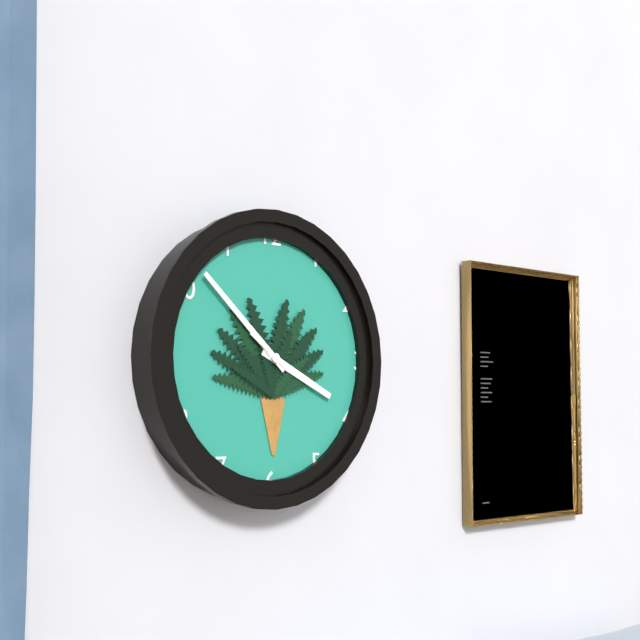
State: 3h52
